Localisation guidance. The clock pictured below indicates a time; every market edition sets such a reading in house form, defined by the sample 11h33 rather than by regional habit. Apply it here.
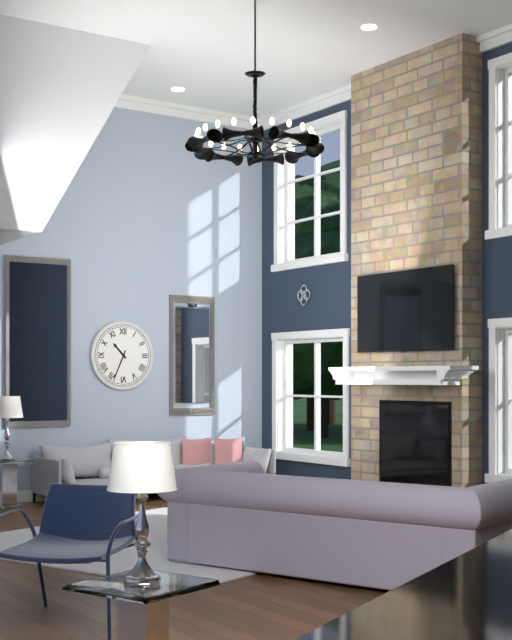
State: 10h34
